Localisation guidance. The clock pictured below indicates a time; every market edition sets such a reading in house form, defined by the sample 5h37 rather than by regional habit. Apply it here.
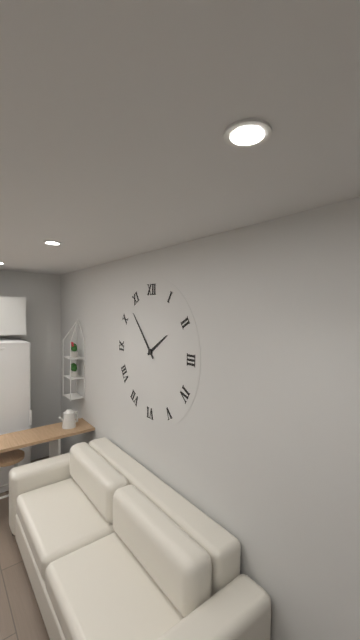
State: 1h53
